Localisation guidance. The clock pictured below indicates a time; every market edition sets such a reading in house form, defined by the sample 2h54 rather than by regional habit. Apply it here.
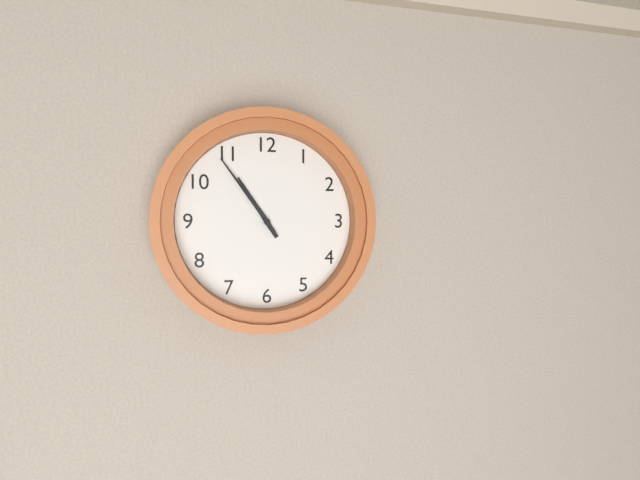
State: 10h54
